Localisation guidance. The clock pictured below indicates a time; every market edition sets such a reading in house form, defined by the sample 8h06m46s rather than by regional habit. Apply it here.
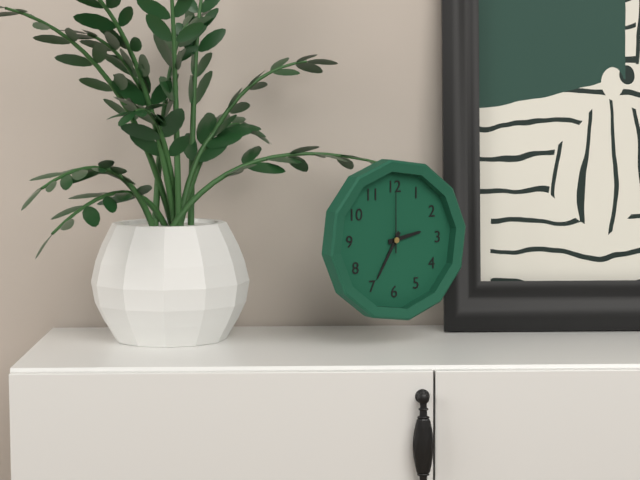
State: 2h35m00s
